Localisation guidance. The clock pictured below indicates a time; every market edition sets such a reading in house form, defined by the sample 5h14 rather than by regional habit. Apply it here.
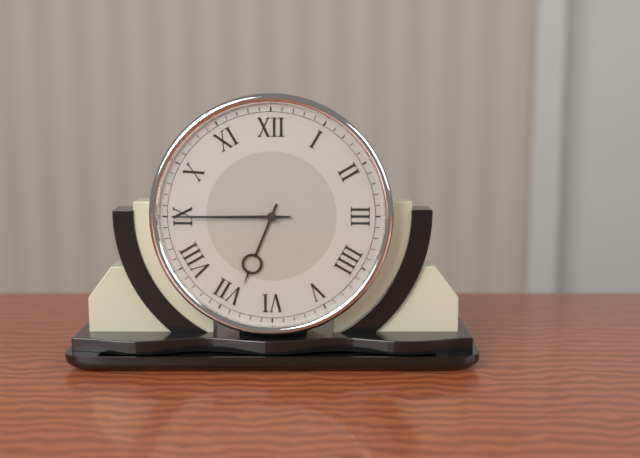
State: 6h45
